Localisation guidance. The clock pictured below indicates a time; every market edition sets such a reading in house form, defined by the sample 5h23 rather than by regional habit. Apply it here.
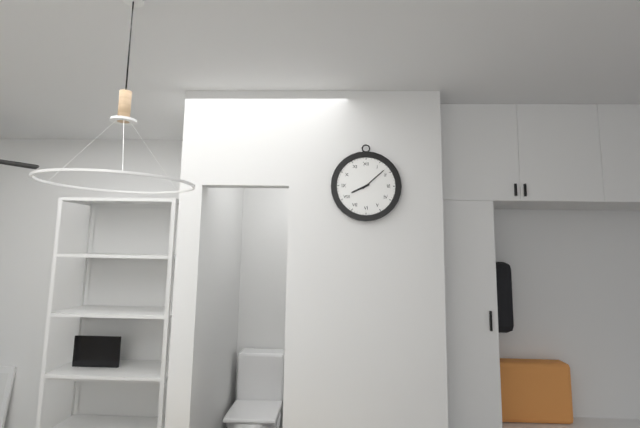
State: 8h08
